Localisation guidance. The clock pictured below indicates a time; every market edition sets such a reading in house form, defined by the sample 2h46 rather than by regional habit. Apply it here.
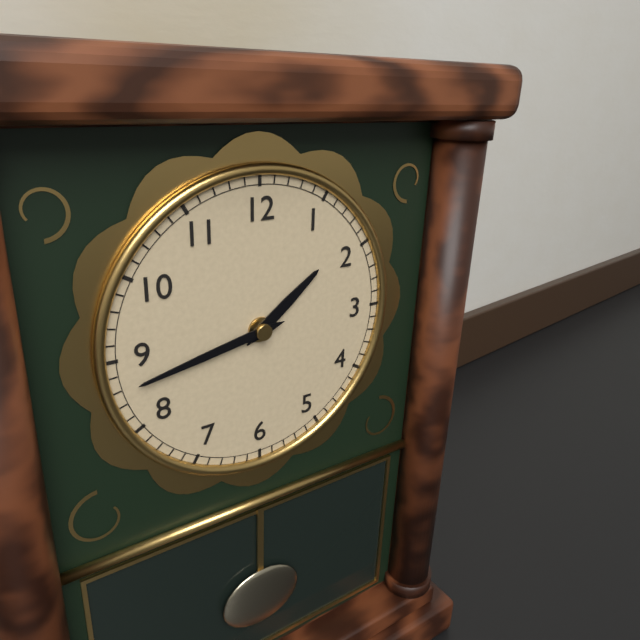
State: 1h43
